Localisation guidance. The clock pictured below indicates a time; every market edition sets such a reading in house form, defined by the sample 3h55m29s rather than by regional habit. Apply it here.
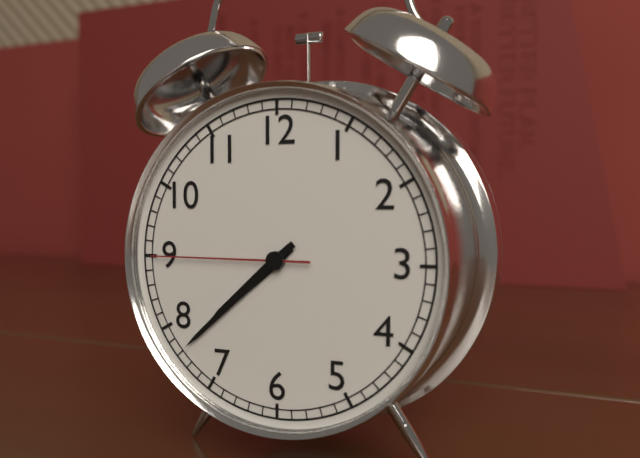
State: 7h38m45s
